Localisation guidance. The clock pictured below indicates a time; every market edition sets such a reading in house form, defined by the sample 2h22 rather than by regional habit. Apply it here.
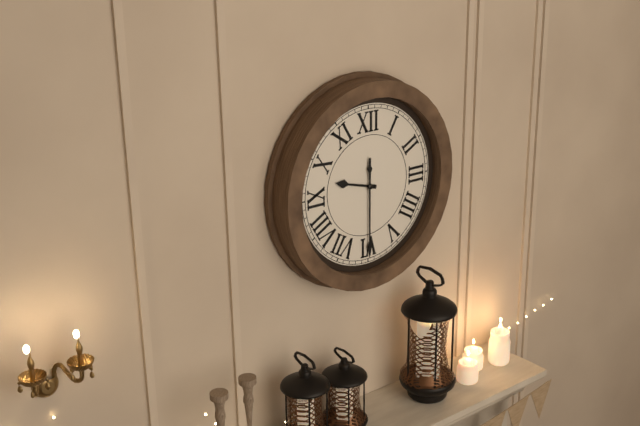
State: 9h30
